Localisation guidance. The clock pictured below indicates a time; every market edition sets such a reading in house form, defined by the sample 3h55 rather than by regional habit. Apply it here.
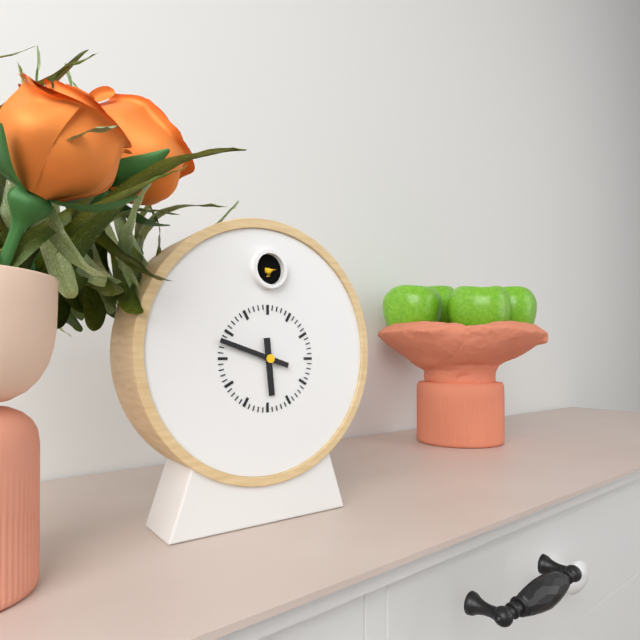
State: 5h48
